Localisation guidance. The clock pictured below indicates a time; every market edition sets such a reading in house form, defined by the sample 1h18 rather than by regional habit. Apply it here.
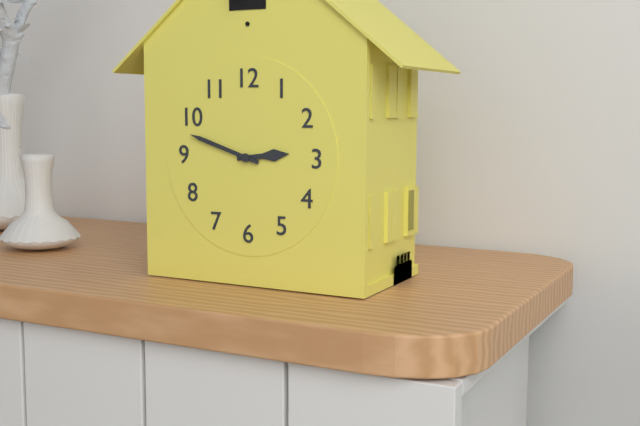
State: 2h48
